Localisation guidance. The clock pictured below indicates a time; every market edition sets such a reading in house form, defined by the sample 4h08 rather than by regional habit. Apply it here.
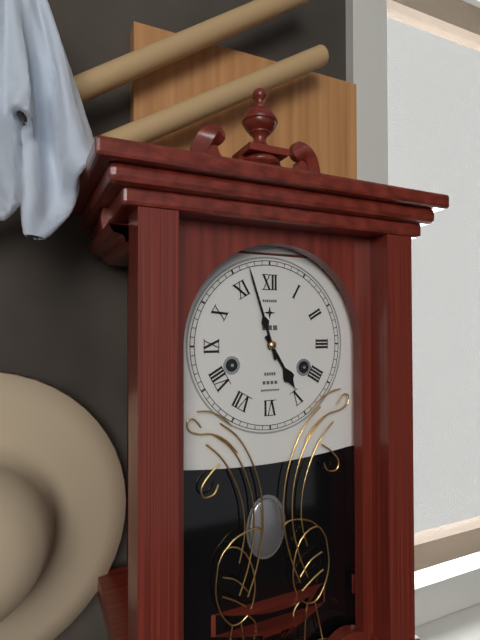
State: 4h57
